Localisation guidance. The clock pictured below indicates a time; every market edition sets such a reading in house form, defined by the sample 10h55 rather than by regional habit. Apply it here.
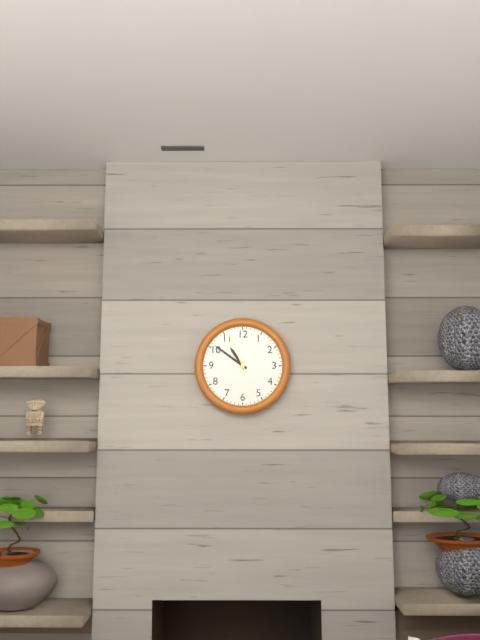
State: 10h51
